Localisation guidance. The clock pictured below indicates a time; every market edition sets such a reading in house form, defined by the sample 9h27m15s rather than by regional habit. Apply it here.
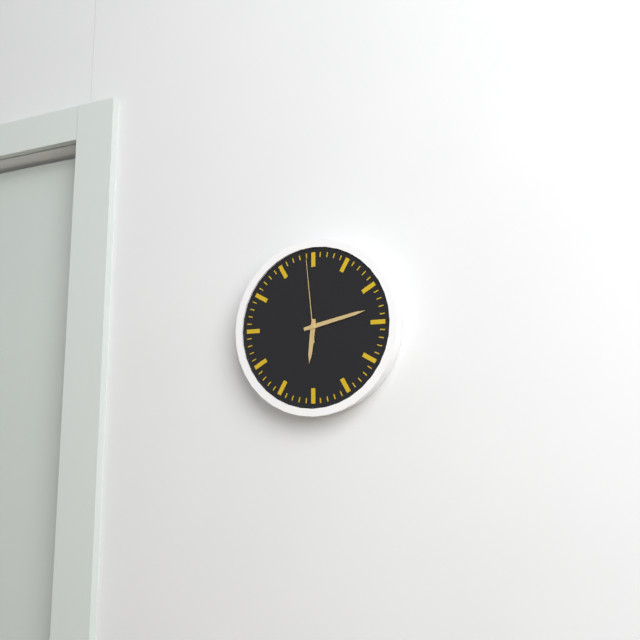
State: 6h13m59s
